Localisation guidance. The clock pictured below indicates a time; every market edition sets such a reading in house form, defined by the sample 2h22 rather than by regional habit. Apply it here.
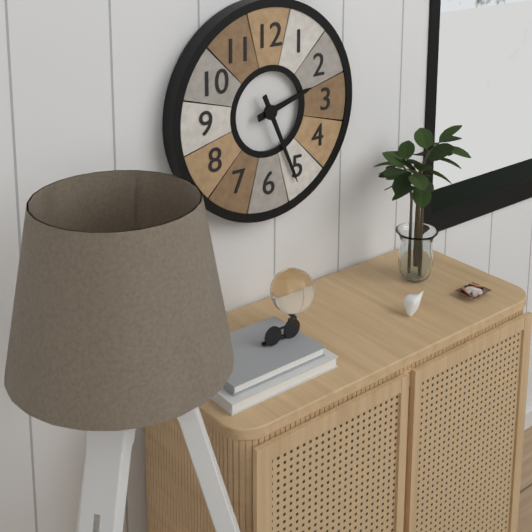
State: 2h26
